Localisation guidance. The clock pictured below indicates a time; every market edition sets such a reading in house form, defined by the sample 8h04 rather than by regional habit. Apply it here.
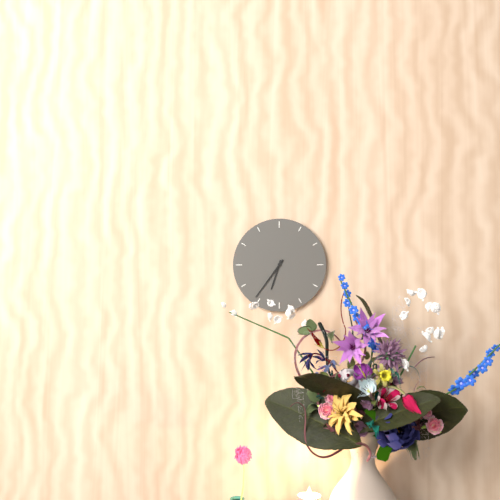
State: 6h36
